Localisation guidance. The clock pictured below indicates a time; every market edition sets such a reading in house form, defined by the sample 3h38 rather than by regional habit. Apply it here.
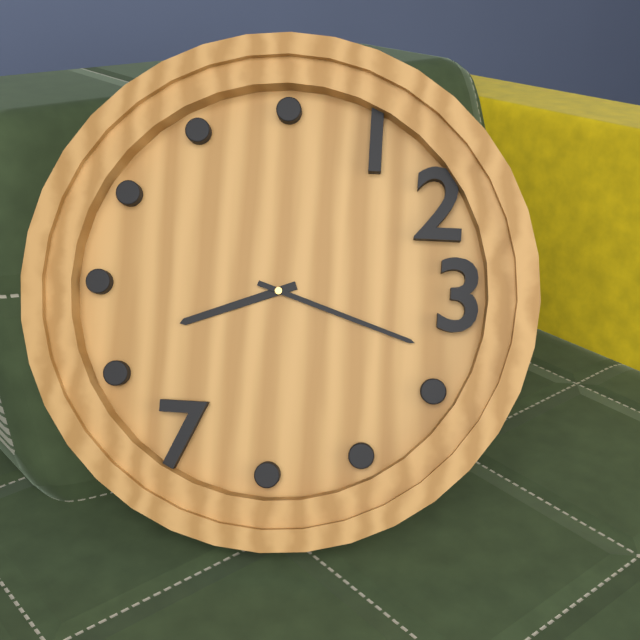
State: 8h18
